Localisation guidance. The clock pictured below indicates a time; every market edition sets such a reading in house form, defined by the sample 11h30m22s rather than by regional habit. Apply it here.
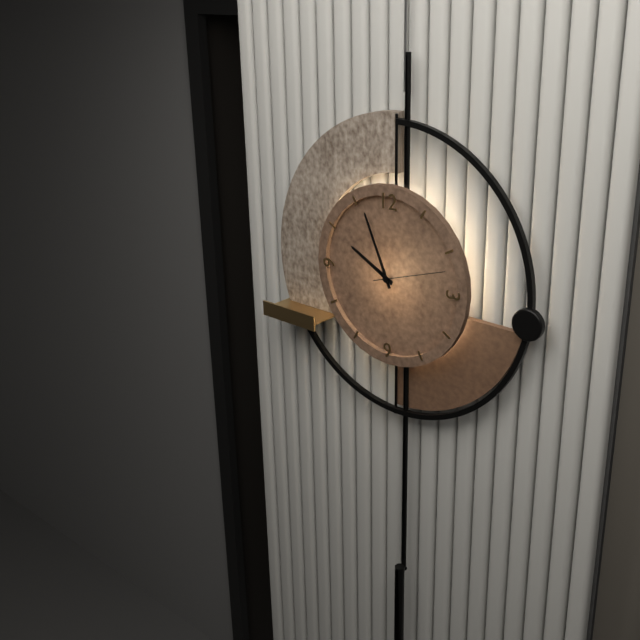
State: 9h56m12s
